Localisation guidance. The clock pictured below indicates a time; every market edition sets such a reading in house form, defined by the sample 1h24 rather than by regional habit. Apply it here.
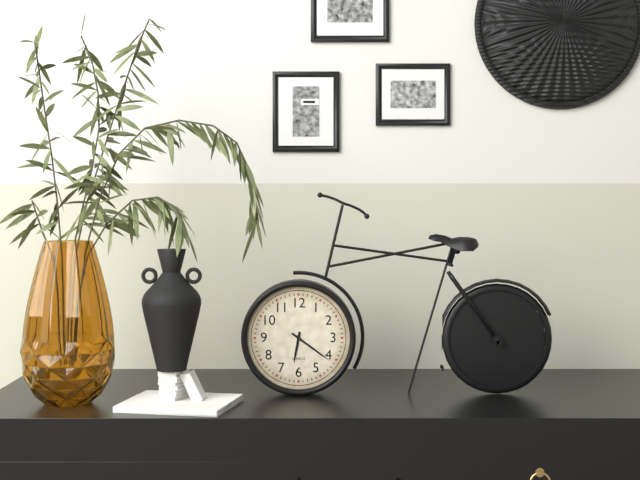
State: 6h21
